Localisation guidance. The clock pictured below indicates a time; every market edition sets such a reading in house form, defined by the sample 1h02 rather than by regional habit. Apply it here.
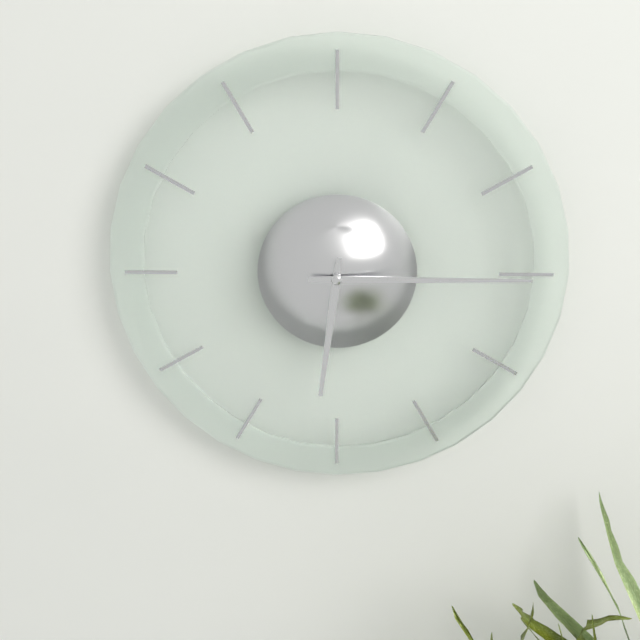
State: 6h15
